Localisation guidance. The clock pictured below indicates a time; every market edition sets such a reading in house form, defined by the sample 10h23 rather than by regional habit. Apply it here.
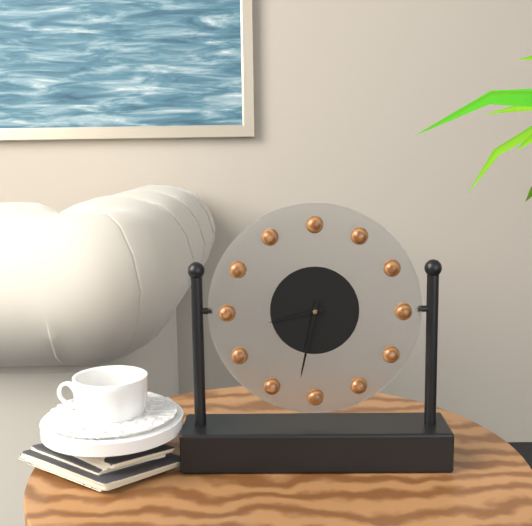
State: 8h32
